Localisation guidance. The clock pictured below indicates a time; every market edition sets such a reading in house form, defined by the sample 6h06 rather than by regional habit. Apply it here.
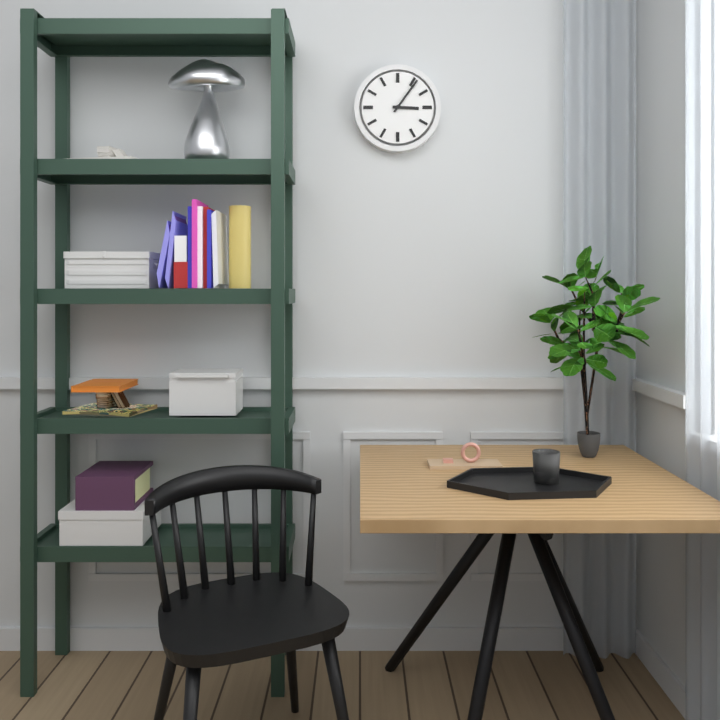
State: 3h06
